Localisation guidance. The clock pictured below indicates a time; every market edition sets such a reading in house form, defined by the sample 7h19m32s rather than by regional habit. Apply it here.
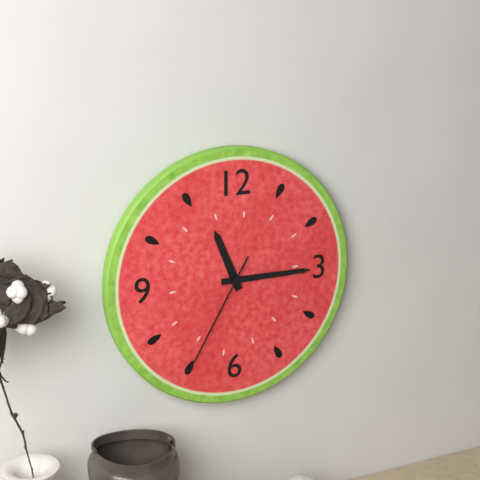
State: 11h15m35s
